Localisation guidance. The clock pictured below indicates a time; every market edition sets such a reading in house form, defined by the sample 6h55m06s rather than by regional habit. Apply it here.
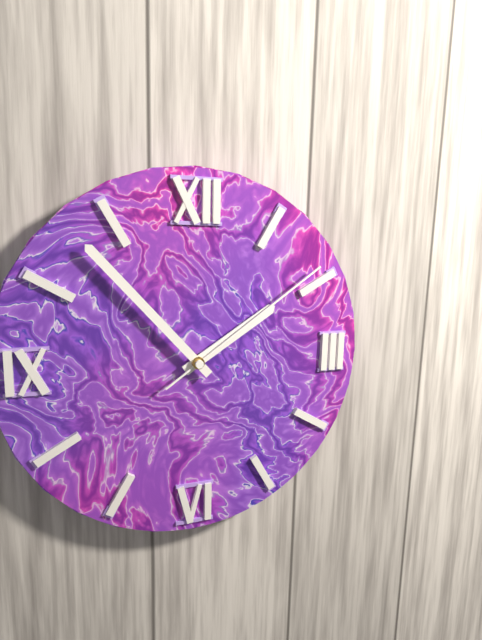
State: 1h53m09s
